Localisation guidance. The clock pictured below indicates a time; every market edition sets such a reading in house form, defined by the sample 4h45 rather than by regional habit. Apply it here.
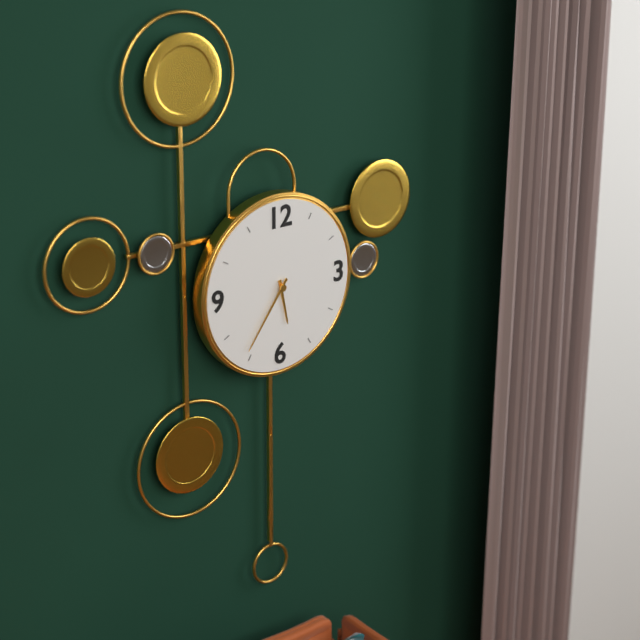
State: 5h36
